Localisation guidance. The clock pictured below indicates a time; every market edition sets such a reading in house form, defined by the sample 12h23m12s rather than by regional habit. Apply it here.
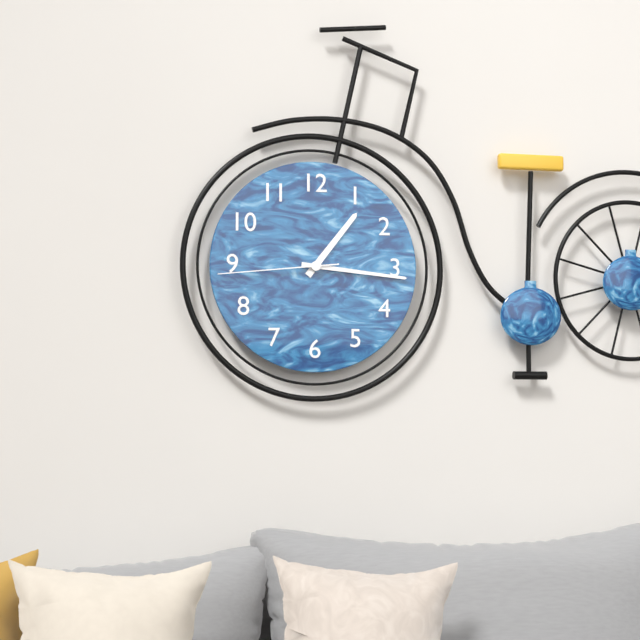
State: 1h16m44s
